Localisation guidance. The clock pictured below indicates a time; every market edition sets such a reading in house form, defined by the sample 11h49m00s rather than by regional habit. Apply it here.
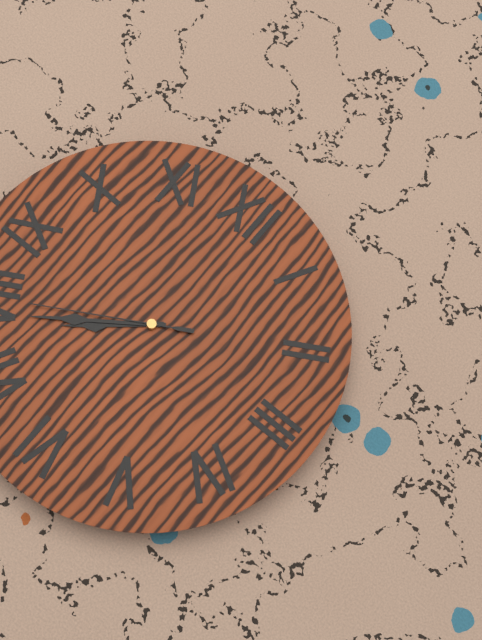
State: 7h39m40s
